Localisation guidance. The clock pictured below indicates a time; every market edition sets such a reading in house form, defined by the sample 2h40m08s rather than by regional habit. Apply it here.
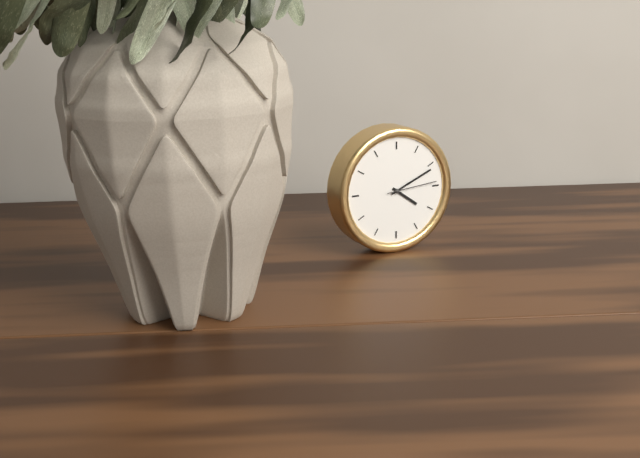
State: 4h11m14s
